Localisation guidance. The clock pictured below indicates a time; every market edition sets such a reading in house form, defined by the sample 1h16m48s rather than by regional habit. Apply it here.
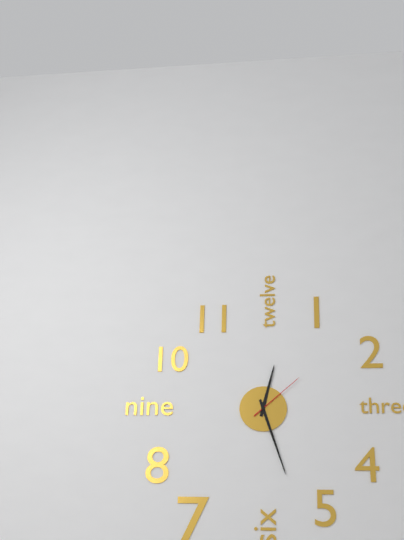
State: 12h27m08s
